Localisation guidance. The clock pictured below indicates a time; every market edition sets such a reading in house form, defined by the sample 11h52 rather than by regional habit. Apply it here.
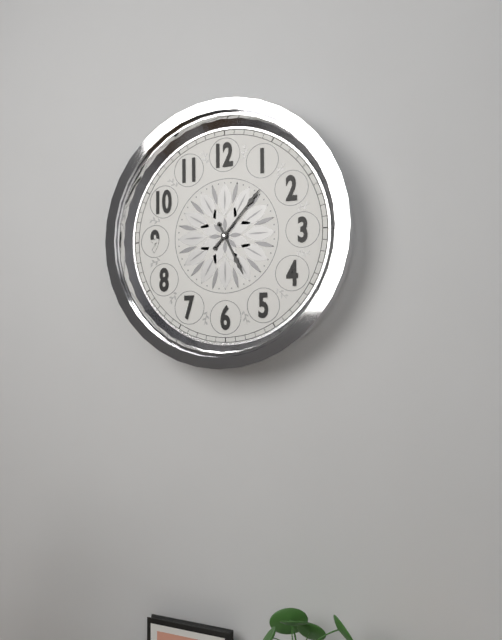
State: 5h07
